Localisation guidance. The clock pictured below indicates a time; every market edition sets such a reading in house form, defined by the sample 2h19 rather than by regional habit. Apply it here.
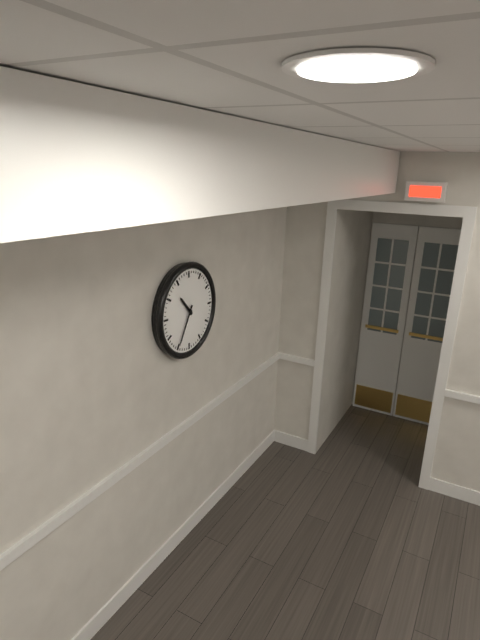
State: 10h35
